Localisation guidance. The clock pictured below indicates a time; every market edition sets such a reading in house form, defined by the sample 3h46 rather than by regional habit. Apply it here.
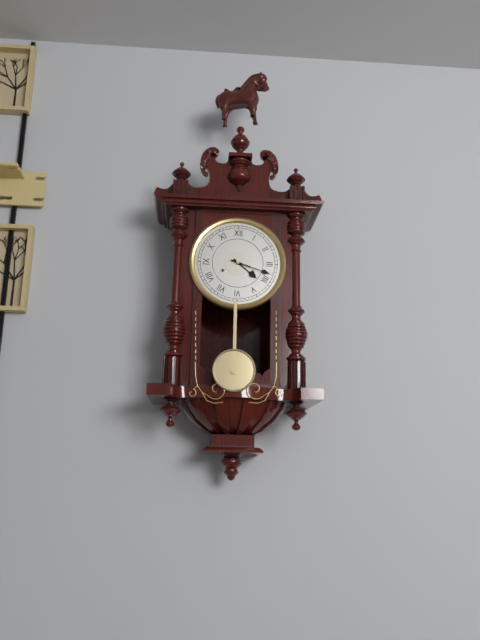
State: 4h18
